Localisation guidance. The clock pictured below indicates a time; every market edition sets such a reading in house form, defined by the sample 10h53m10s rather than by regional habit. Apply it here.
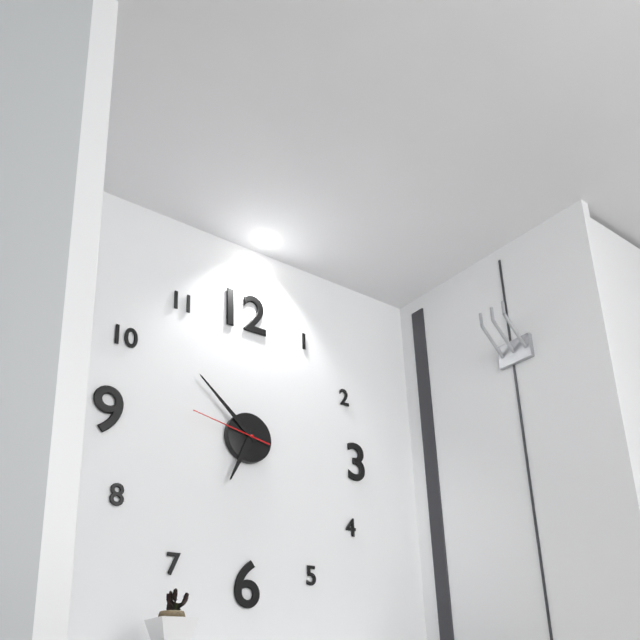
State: 6h52m47s
